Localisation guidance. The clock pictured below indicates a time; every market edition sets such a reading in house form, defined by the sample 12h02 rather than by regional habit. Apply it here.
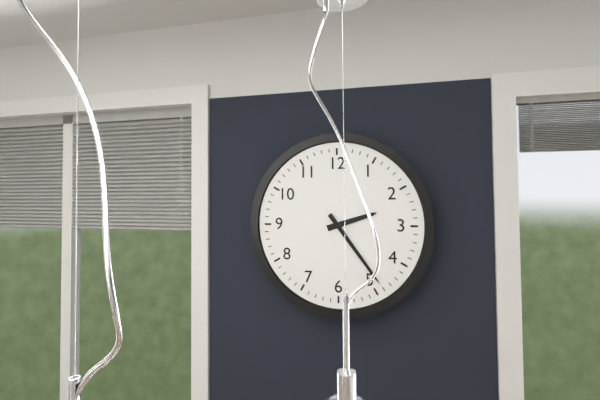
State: 2h24
